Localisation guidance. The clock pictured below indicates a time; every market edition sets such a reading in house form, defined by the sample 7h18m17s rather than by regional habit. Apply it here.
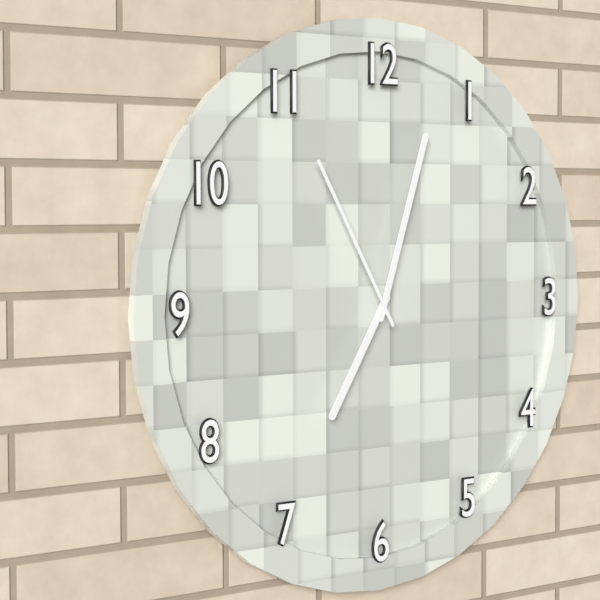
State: 7h03m55s
